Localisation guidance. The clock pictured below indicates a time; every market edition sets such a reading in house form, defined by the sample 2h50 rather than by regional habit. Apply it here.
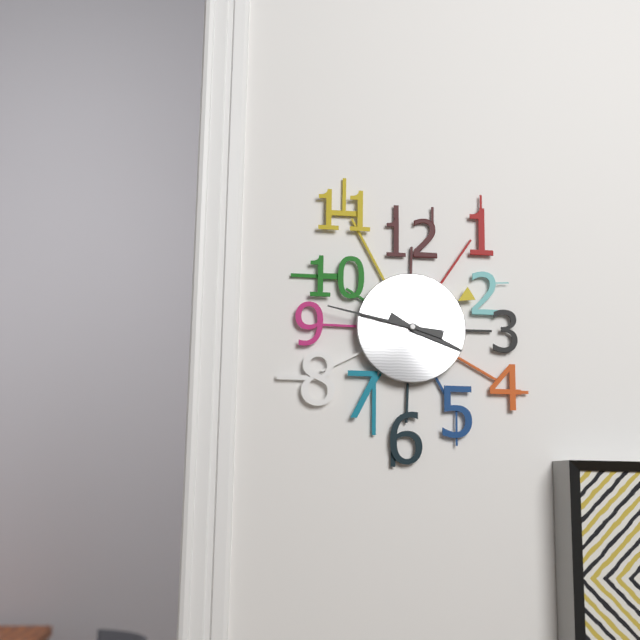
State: 3h47
